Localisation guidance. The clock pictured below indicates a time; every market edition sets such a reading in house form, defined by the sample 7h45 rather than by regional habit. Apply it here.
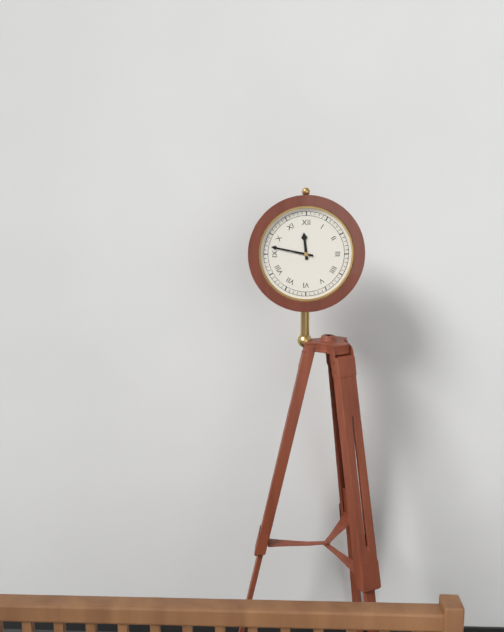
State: 11h47
